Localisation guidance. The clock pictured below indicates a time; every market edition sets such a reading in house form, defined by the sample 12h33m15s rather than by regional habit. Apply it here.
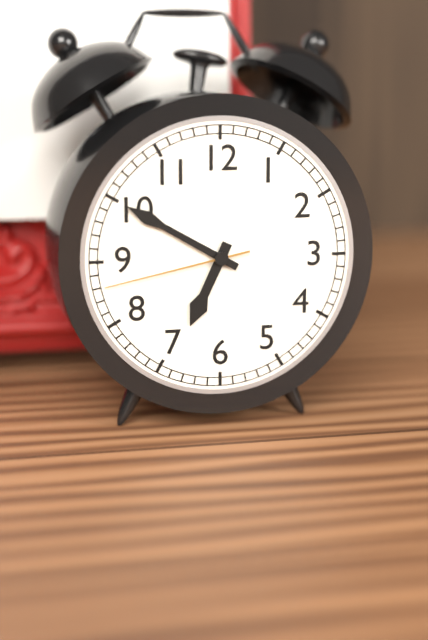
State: 6h50m43s
